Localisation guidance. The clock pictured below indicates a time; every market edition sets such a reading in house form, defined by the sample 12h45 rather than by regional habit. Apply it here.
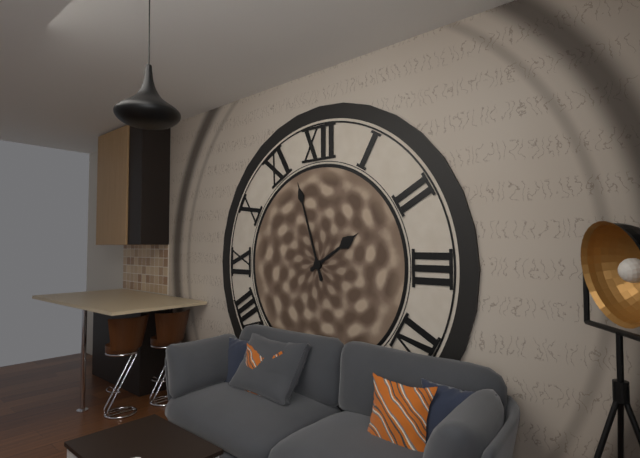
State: 1h57
